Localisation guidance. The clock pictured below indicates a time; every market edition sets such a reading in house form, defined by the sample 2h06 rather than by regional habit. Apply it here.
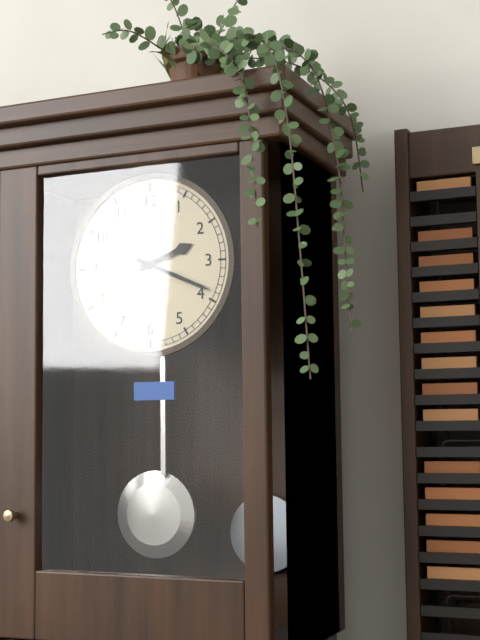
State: 2h19
